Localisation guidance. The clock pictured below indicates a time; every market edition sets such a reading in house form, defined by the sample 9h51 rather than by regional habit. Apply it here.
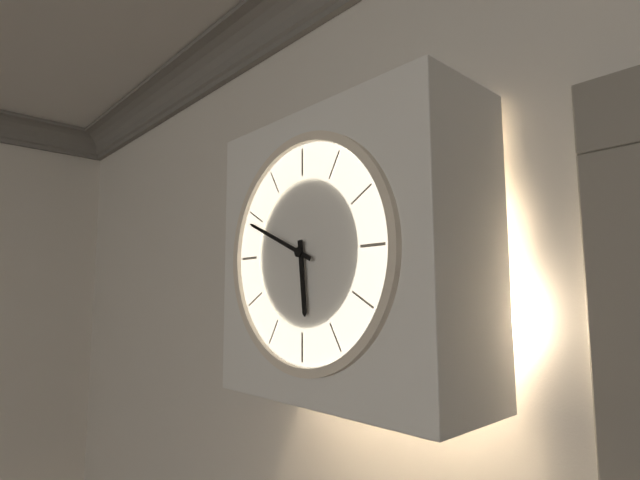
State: 5h49
